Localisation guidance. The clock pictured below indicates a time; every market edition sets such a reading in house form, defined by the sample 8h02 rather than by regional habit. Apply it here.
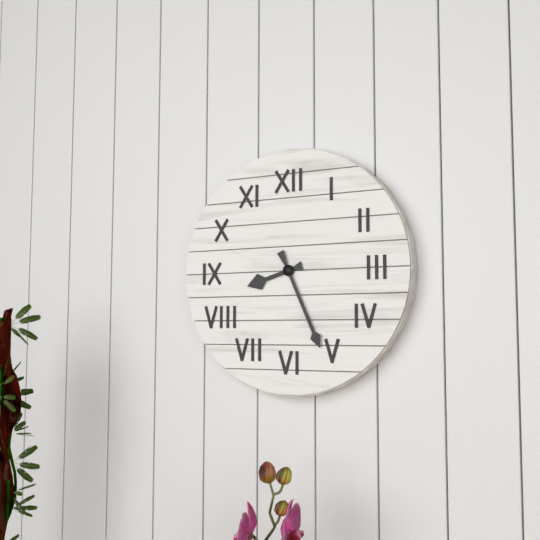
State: 8h26
